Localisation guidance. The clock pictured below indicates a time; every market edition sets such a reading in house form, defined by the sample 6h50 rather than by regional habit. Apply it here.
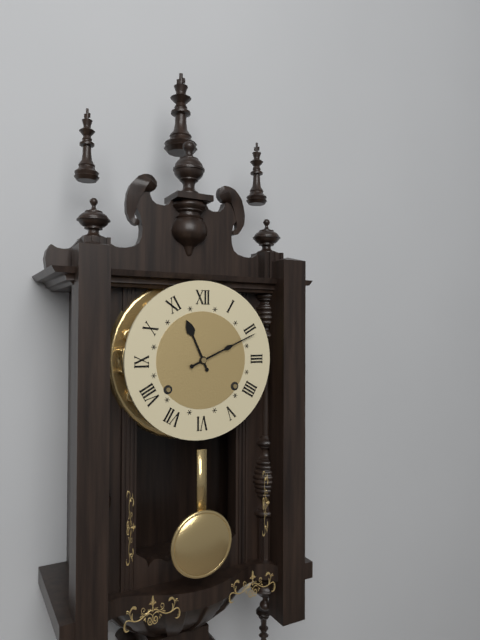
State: 11h11
